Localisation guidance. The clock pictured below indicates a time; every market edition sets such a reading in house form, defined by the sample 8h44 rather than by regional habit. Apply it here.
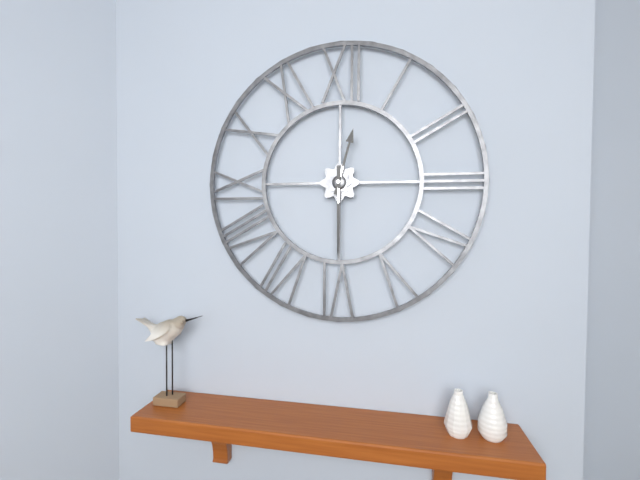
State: 12h30
